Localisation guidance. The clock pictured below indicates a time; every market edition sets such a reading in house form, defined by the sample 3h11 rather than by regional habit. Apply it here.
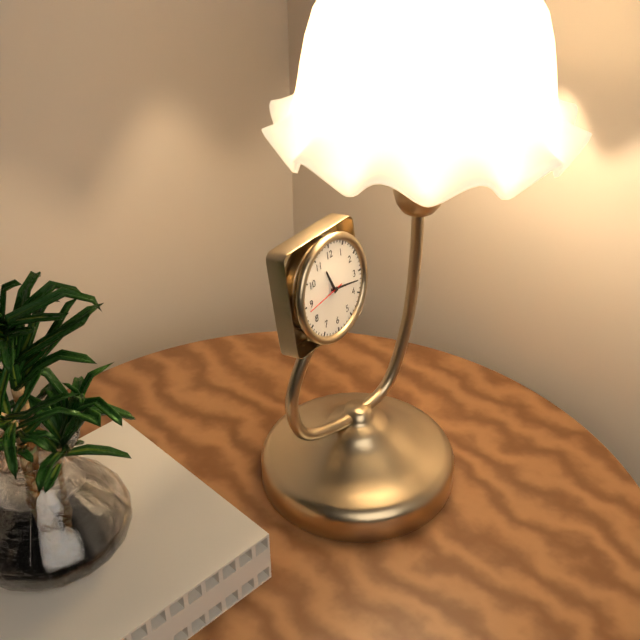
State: 11h17
